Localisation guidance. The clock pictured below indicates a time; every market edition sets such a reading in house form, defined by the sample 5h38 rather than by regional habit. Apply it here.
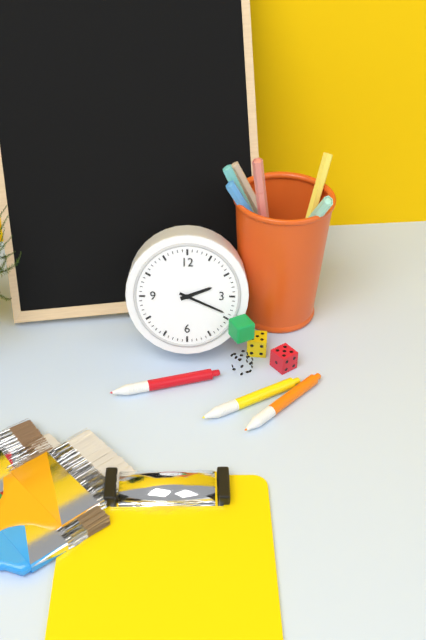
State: 2h19
